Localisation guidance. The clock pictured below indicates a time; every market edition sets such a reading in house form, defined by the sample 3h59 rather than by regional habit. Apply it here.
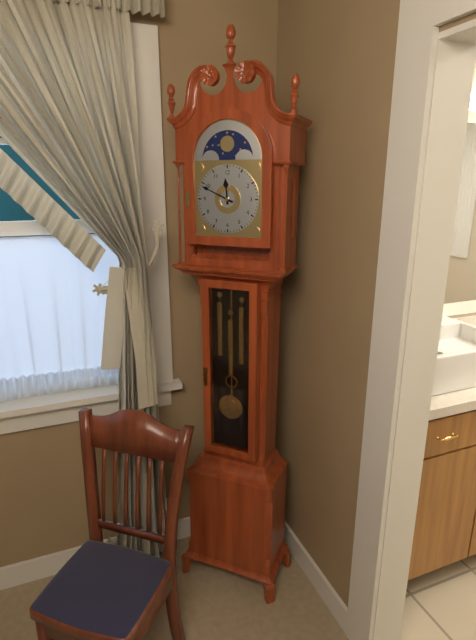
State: 11h49
